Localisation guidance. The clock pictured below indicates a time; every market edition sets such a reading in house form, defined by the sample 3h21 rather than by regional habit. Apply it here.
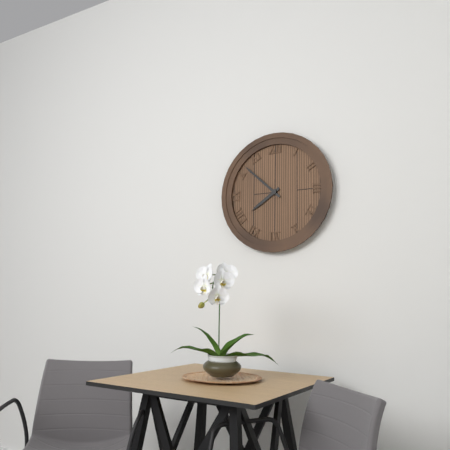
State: 7h52
